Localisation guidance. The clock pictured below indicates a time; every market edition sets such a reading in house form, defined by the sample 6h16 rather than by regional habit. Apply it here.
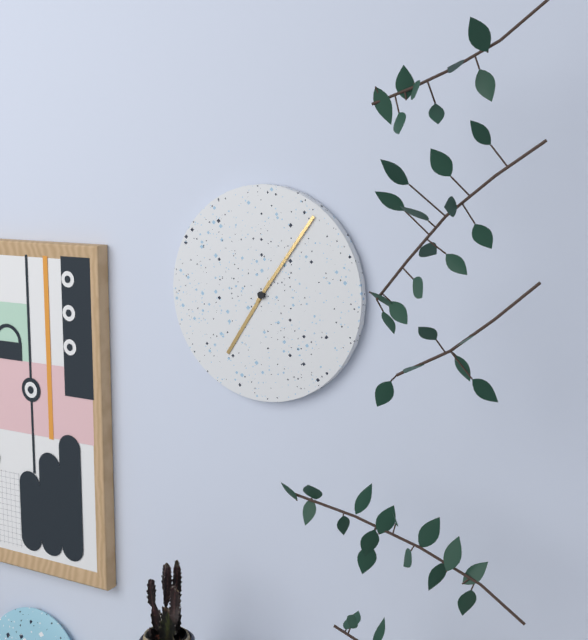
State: 7h06
